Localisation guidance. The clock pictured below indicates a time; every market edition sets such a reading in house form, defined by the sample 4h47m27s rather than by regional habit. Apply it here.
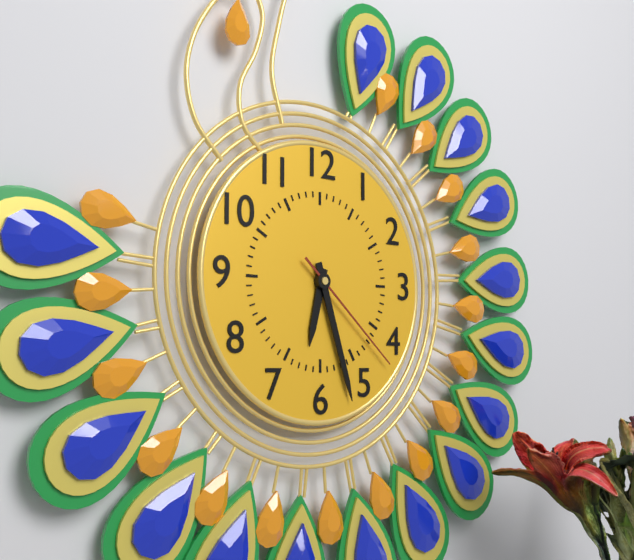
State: 6h27m22s
